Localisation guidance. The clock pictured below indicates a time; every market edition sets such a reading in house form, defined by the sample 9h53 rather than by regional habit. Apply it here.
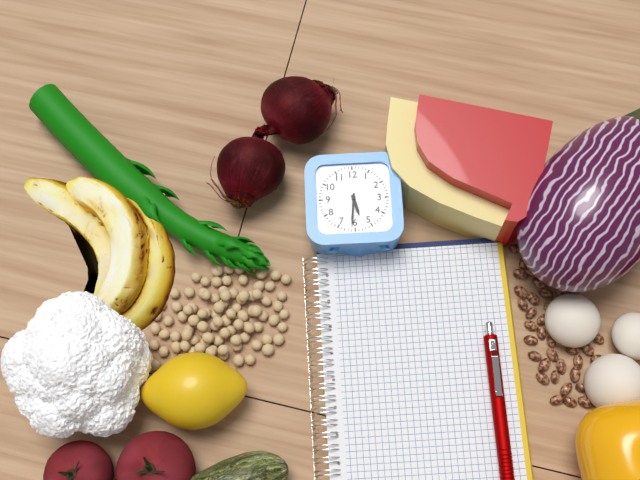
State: 5h31
